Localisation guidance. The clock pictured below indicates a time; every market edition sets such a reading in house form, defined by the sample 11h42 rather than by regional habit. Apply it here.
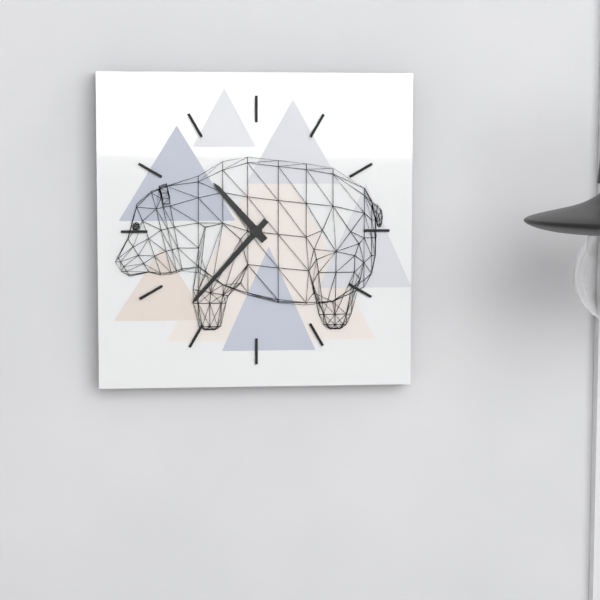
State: 10h37
